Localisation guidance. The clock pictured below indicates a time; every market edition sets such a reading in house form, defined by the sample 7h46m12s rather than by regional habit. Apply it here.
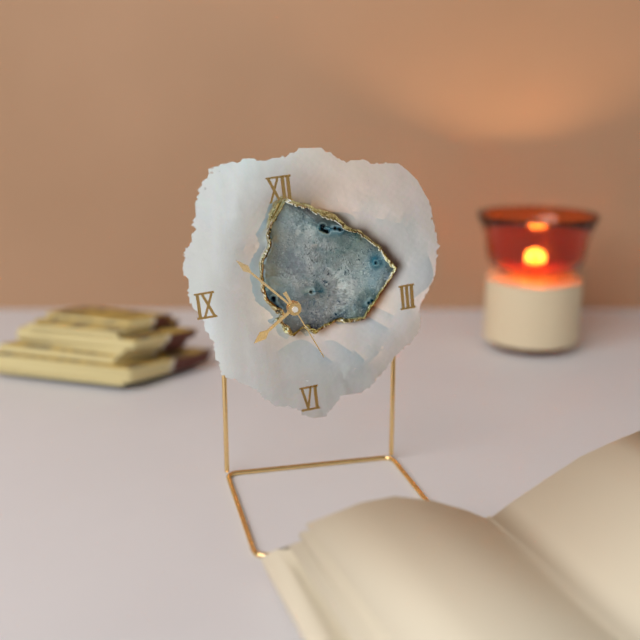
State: 7h53m26s
